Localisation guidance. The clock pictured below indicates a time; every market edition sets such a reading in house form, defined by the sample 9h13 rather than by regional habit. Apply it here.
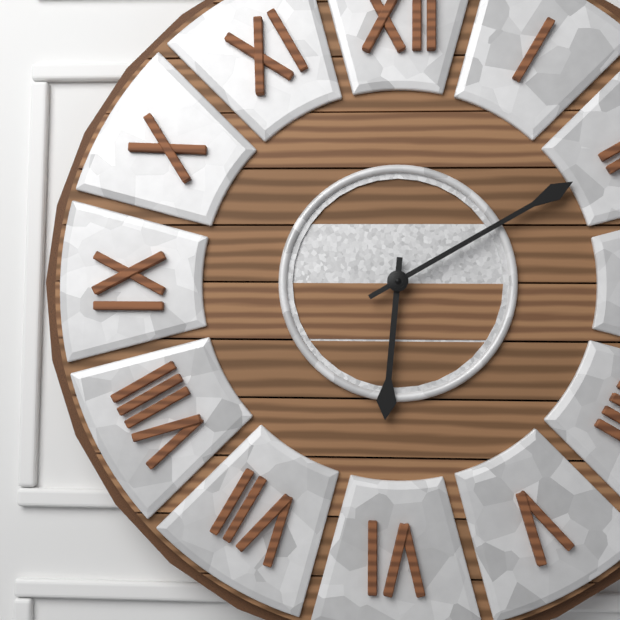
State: 6h10
